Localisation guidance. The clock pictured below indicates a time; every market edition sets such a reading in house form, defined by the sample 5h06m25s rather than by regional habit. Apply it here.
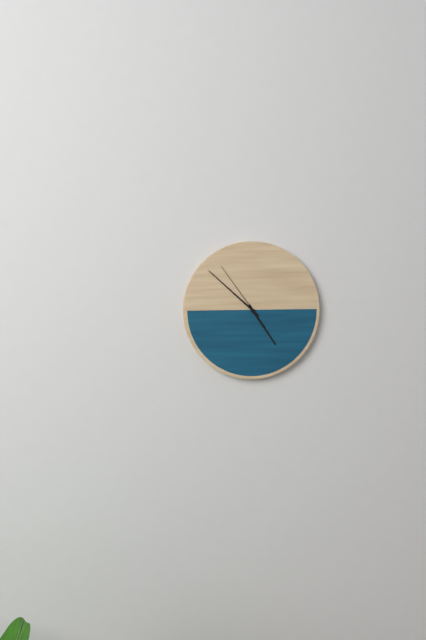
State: 4h52m54s
